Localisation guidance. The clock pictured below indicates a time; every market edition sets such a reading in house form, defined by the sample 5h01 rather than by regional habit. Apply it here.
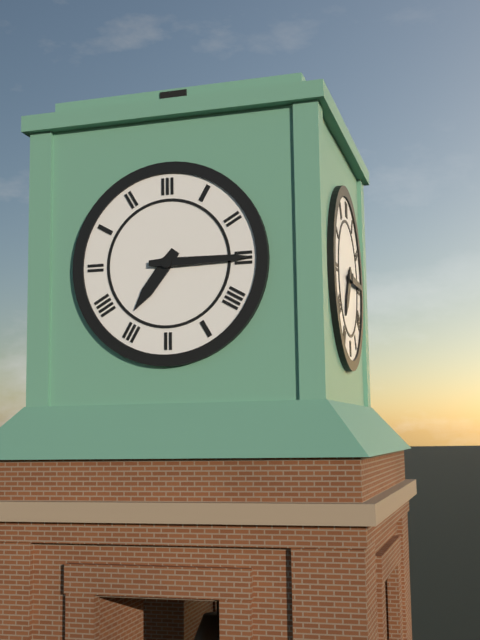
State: 7h15
